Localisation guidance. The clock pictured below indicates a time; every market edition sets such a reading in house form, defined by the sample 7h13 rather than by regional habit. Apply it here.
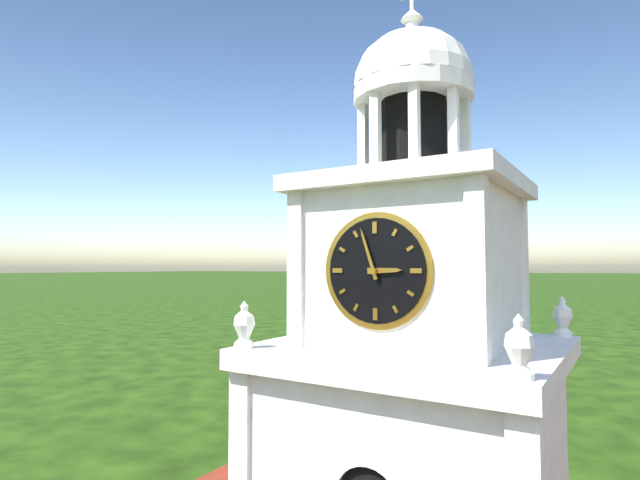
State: 2h57
